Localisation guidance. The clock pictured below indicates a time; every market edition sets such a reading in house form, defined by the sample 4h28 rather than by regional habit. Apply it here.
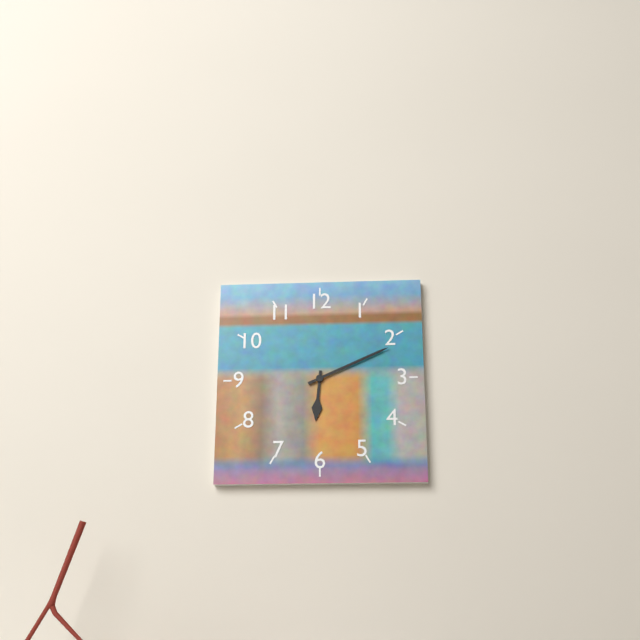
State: 6h11
